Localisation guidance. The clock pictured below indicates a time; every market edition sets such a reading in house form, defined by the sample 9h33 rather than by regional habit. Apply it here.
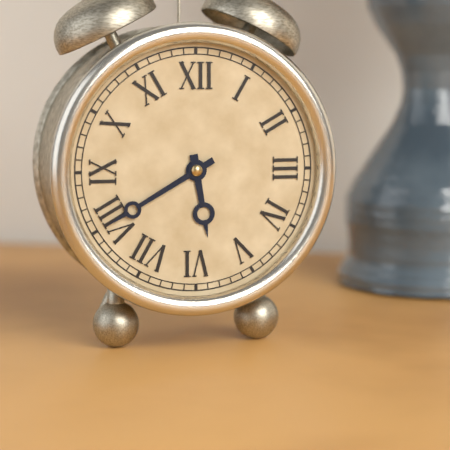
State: 5h40
